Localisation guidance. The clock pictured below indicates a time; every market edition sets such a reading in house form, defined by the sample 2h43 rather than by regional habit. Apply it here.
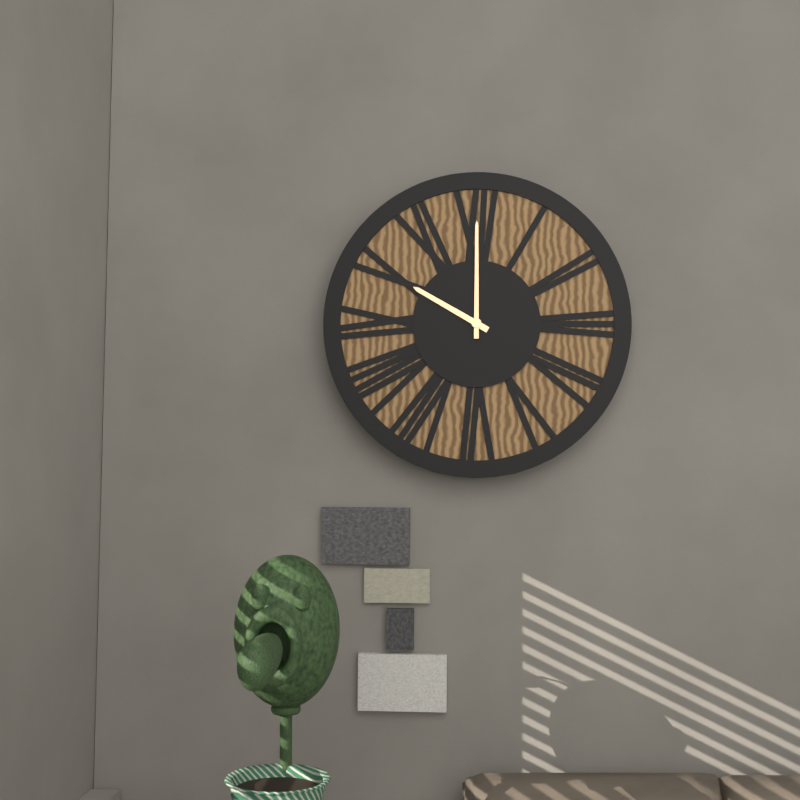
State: 10h00
